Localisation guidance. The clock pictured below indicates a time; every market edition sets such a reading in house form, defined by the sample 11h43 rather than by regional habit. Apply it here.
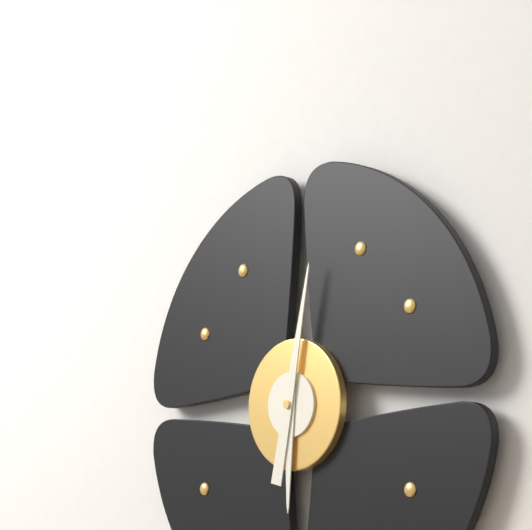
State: 6h02
